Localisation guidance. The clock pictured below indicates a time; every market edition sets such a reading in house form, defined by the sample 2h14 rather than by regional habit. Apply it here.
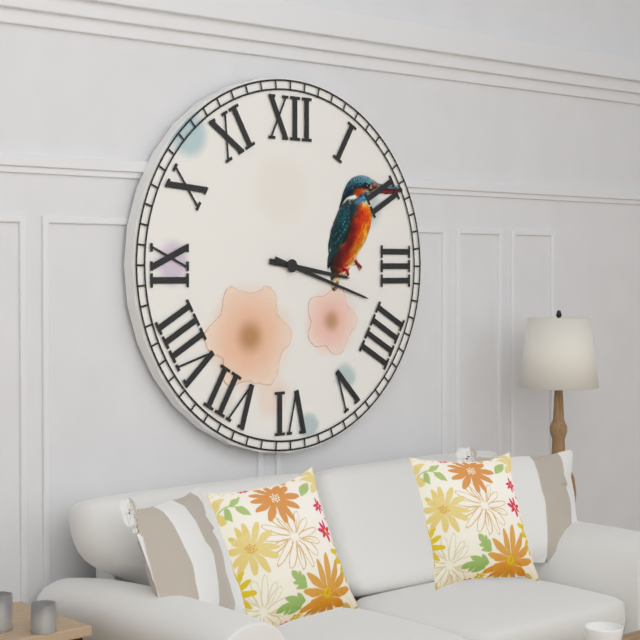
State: 3h18
